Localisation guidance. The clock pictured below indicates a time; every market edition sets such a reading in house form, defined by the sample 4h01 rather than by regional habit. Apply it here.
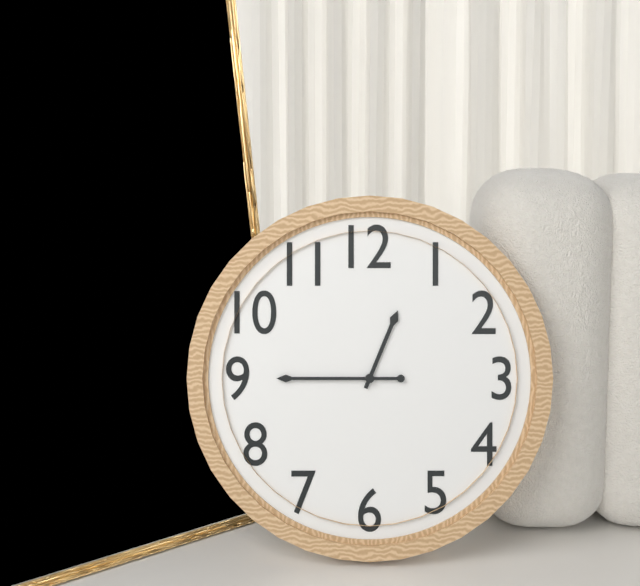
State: 12h45
